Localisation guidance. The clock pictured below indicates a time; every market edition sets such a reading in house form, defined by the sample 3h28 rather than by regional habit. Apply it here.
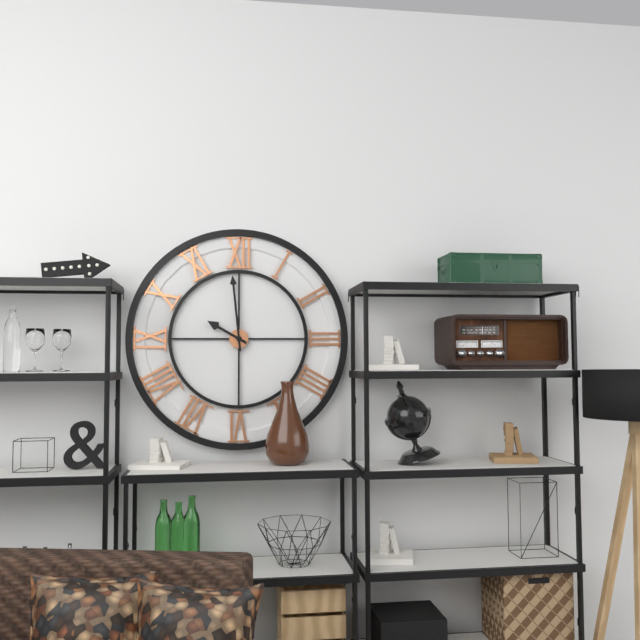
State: 9h59
